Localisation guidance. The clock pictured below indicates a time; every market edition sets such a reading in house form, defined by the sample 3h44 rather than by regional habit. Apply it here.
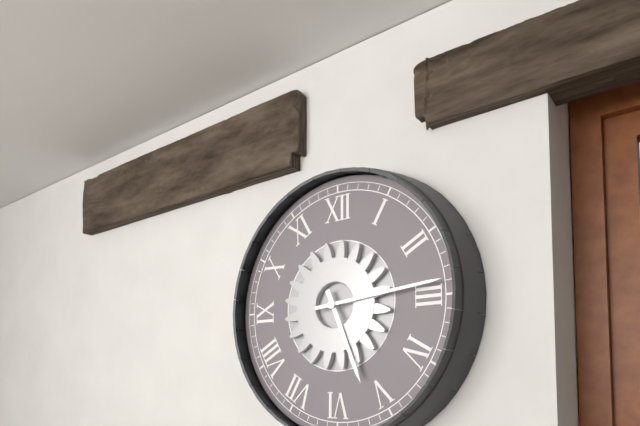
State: 5h14
